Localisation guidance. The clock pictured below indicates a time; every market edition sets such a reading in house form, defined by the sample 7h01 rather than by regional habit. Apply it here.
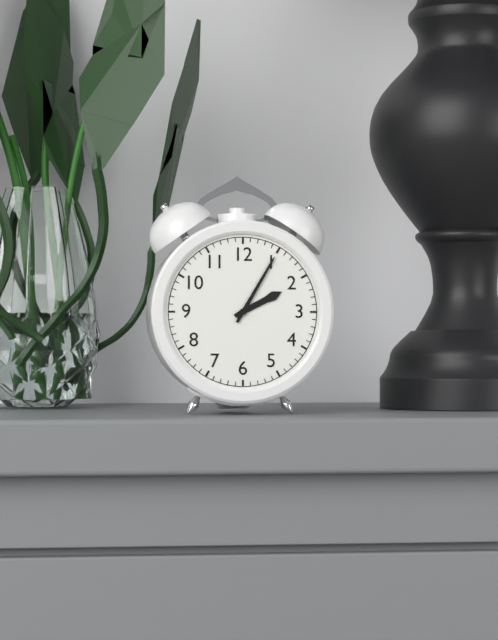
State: 2h05
